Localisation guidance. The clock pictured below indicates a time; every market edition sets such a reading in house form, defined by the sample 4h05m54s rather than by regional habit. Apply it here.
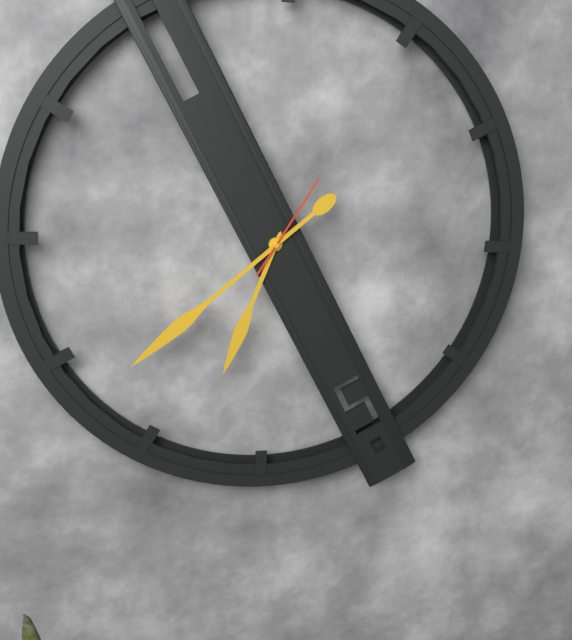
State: 6h38m05s
